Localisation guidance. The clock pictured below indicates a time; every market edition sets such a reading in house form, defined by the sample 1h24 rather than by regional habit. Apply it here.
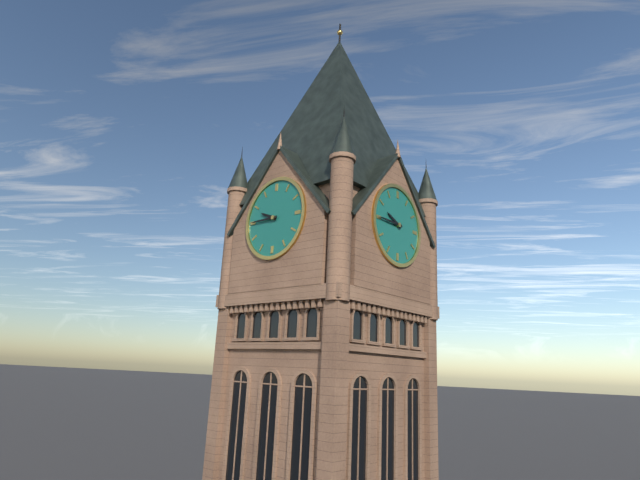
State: 9h45
